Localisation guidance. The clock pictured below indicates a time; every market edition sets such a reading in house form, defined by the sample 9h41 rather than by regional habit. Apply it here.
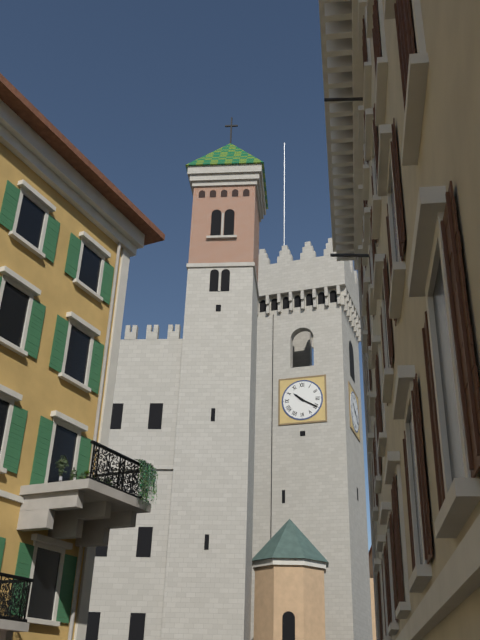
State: 10h20
